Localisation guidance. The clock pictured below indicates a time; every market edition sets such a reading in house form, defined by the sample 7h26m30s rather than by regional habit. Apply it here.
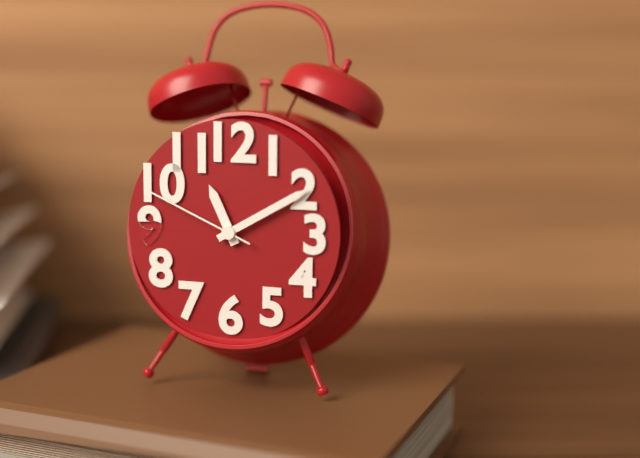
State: 11h10m49s
